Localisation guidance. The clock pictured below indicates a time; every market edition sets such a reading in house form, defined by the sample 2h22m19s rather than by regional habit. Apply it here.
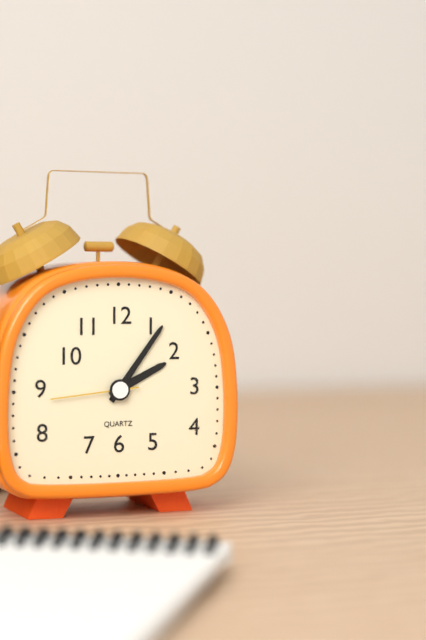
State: 2h06m44s
